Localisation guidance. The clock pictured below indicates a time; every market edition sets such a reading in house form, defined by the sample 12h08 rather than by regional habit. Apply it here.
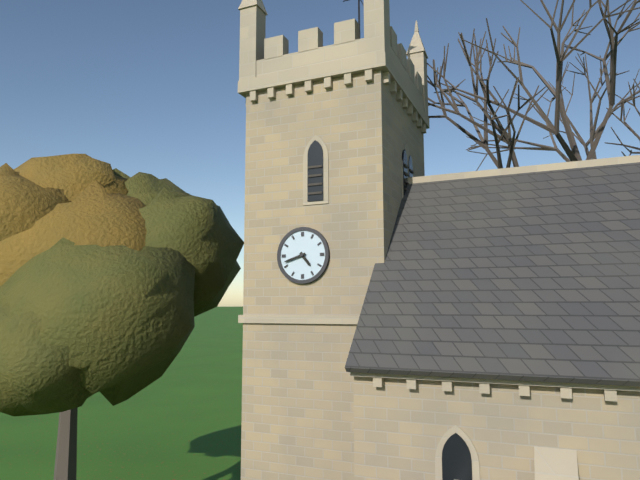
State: 4h42
